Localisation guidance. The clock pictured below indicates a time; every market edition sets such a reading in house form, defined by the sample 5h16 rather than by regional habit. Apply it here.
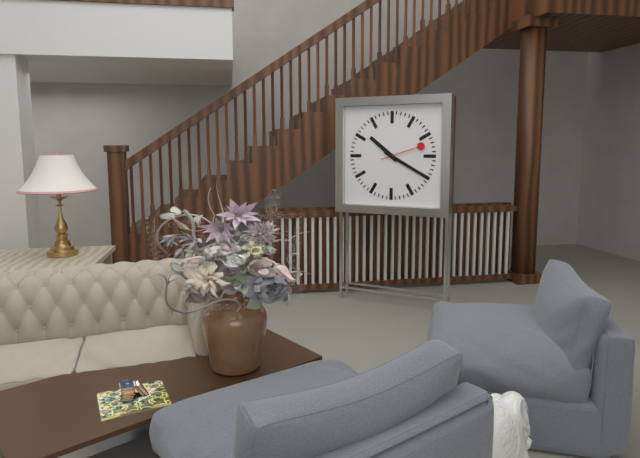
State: 10h20
